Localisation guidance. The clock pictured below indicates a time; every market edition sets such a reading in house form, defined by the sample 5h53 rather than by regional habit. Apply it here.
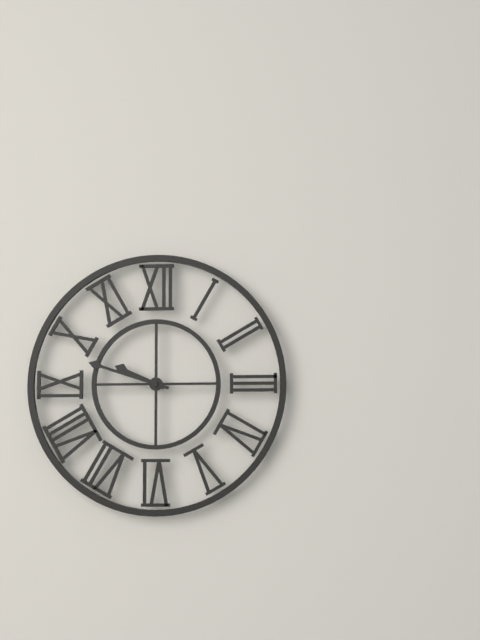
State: 9h48
